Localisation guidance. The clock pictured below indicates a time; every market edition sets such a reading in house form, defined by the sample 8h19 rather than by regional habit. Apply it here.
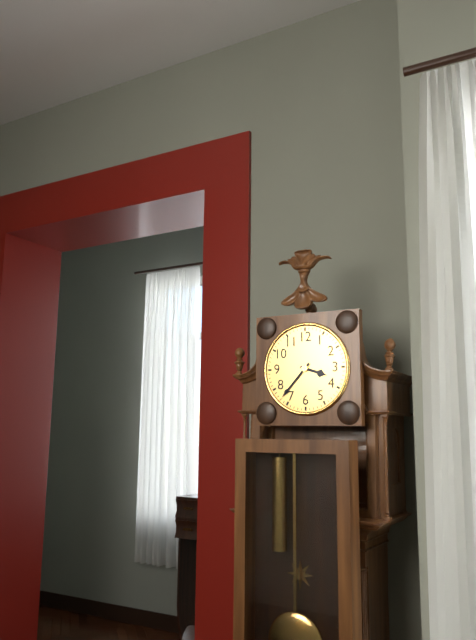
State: 3h37
